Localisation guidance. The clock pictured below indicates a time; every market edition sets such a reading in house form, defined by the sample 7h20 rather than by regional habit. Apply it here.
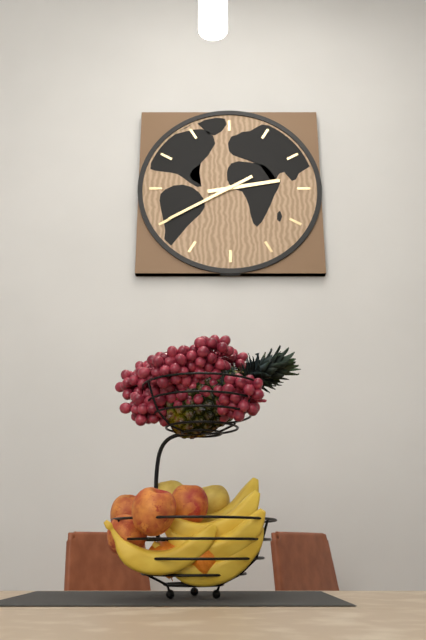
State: 2h40
